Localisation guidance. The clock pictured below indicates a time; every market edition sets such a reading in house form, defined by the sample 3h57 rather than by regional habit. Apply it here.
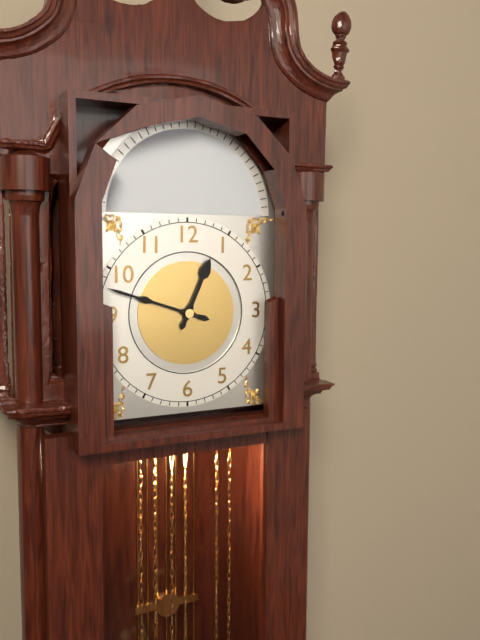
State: 12h48
